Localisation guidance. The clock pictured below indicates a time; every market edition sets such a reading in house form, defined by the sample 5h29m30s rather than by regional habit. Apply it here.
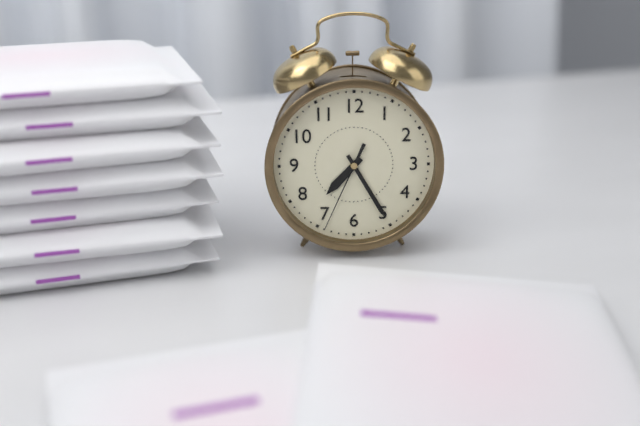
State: 7h25m34s
